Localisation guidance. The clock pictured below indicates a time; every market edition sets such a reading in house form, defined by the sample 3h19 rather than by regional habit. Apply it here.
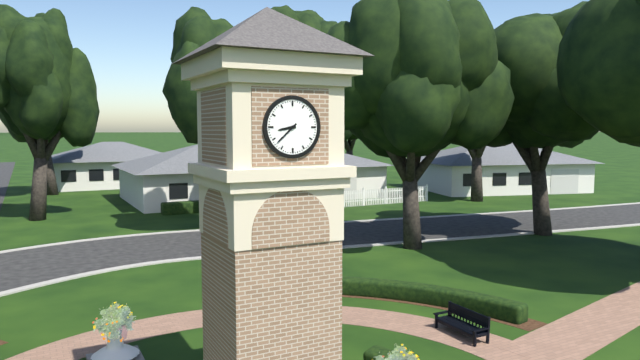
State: 8h38
